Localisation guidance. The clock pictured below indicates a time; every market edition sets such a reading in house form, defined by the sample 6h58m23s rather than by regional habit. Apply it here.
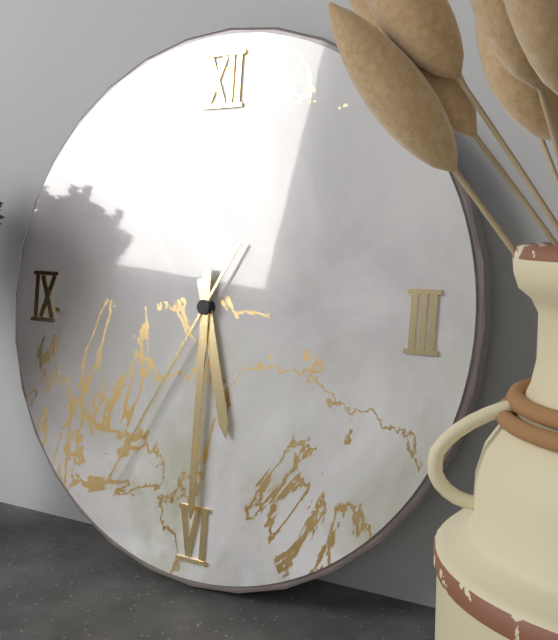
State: 5h30m35s
